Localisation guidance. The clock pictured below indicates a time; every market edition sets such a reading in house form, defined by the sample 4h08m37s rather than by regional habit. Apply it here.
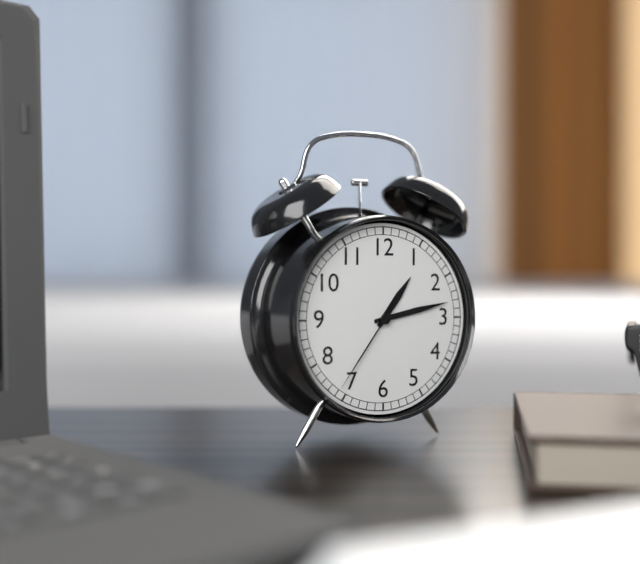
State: 1h13m36s
